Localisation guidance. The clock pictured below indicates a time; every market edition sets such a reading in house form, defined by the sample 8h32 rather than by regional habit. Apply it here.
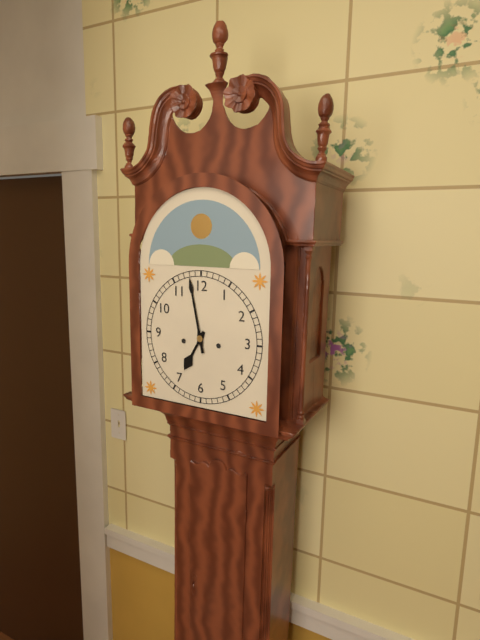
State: 6h58
